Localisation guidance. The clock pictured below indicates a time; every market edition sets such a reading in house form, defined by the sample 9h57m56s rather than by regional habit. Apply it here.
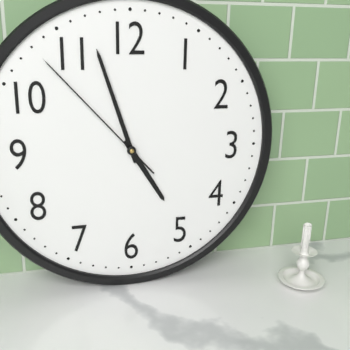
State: 4h57m53s
